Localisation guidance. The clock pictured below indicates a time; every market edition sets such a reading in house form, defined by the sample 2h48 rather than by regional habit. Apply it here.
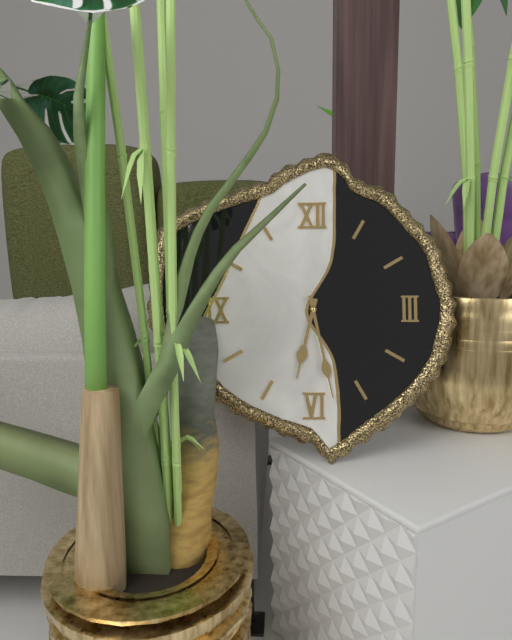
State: 6h28
